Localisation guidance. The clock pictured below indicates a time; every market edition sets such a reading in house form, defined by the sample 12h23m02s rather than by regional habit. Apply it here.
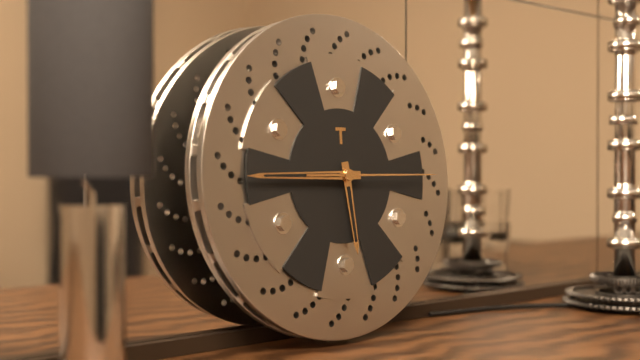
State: 5h45m15s
